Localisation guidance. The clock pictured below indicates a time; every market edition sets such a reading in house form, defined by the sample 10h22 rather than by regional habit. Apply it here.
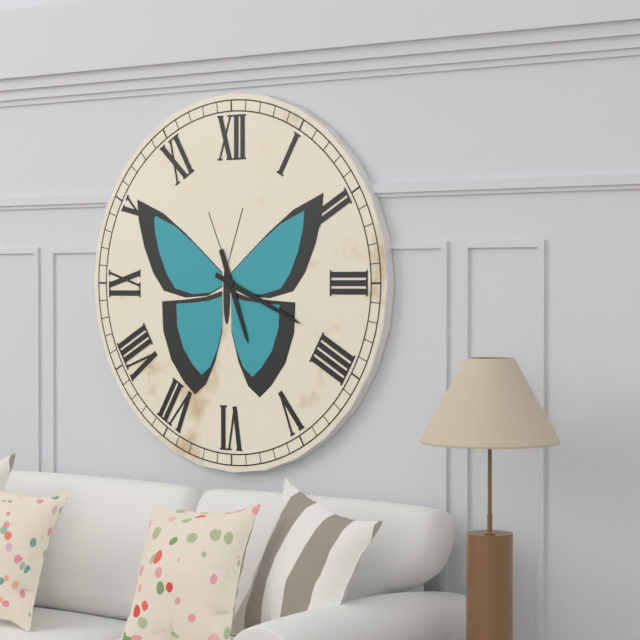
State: 5h19
